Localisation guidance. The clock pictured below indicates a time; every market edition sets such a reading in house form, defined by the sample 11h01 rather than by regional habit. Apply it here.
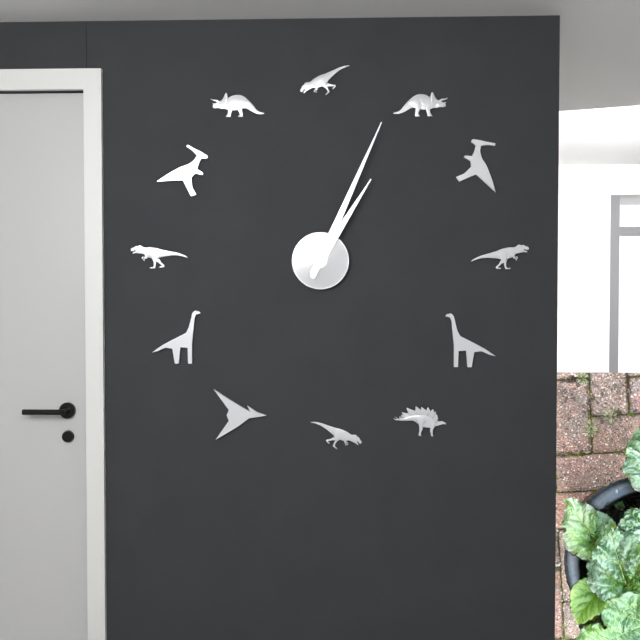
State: 1h04
